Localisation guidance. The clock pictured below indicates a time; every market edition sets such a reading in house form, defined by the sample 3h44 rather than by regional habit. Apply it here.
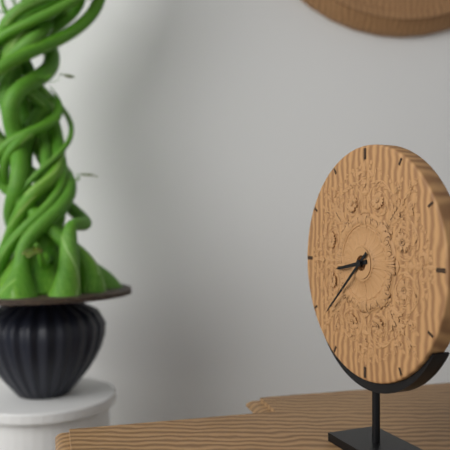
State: 8h38
